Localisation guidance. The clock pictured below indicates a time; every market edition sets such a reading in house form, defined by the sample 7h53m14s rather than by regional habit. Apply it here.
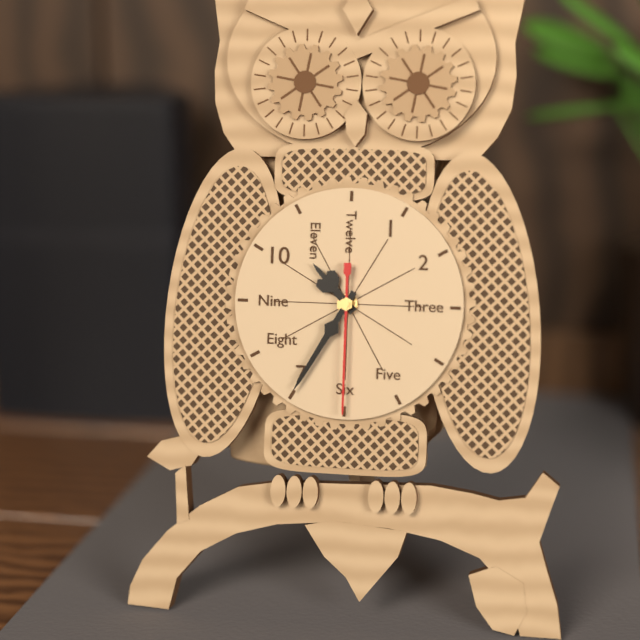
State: 10h35m30s
